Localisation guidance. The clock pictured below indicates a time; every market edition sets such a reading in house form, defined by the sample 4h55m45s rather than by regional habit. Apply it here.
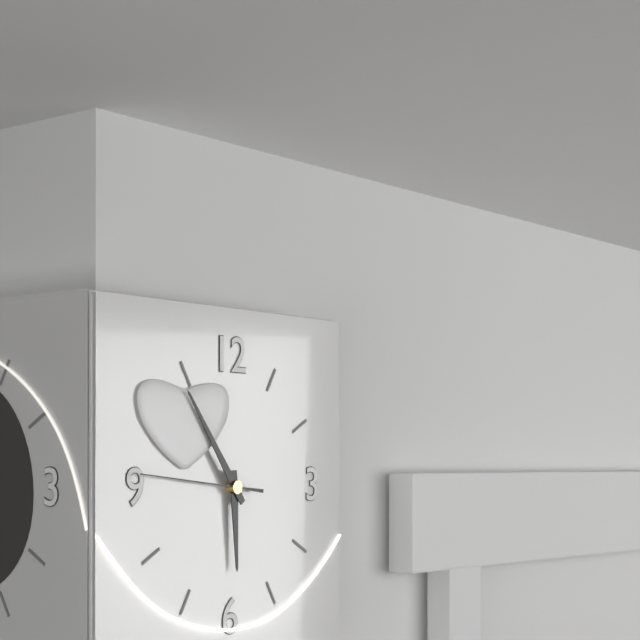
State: 5h54m46s
